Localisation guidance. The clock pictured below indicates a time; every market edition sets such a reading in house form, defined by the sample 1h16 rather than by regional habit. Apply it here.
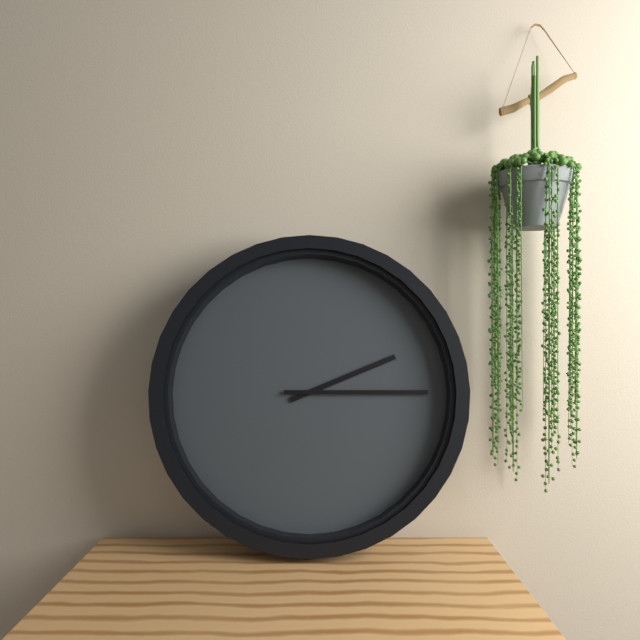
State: 2h15
